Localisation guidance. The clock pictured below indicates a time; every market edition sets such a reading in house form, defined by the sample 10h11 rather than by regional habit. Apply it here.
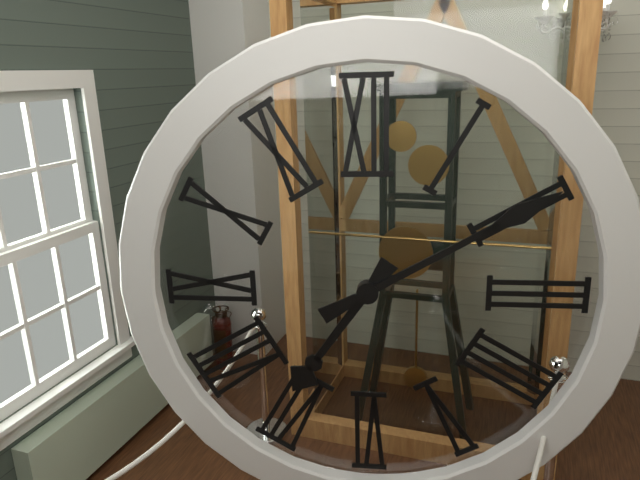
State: 7h10
